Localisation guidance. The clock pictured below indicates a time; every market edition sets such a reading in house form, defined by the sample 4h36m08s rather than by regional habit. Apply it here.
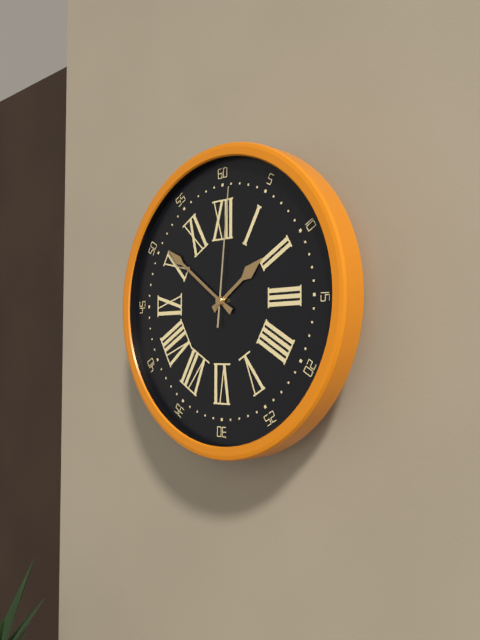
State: 1h51m01s
